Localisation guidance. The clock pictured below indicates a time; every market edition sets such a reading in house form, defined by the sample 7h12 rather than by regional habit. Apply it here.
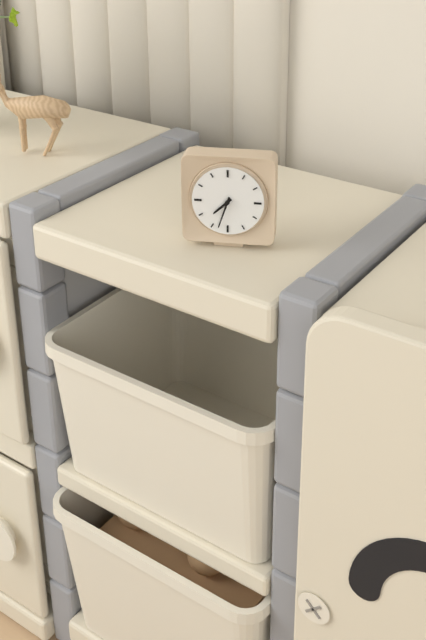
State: 7h33
